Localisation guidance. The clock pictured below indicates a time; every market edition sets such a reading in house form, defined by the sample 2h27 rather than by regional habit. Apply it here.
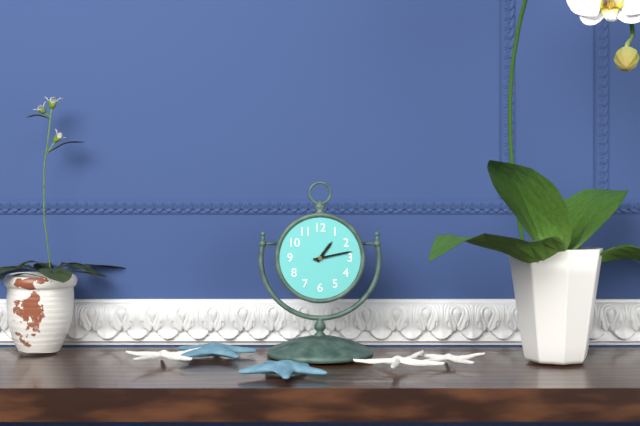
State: 1h13
